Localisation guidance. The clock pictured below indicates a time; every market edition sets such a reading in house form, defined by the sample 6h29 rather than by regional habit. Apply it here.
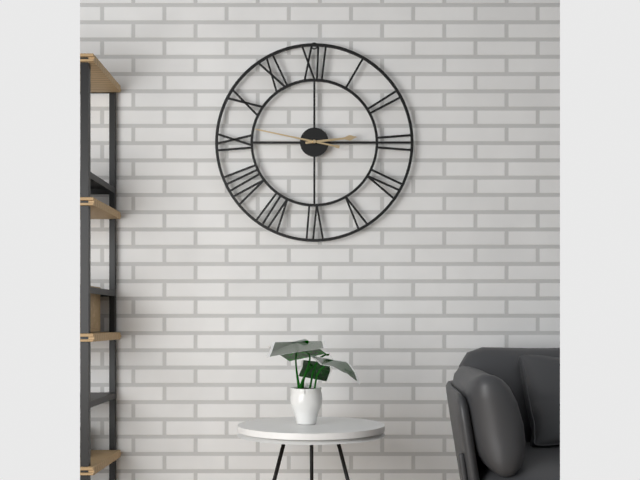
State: 2h47
